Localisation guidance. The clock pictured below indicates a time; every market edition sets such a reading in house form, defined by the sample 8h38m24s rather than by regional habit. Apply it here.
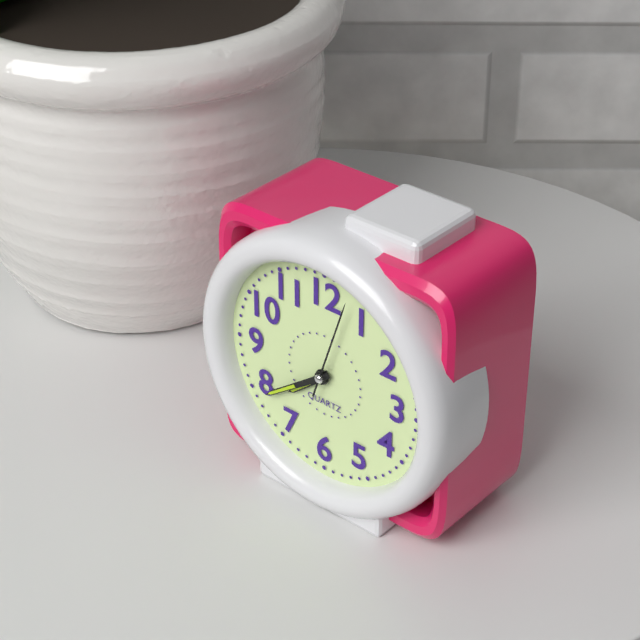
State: 7h39m03s
